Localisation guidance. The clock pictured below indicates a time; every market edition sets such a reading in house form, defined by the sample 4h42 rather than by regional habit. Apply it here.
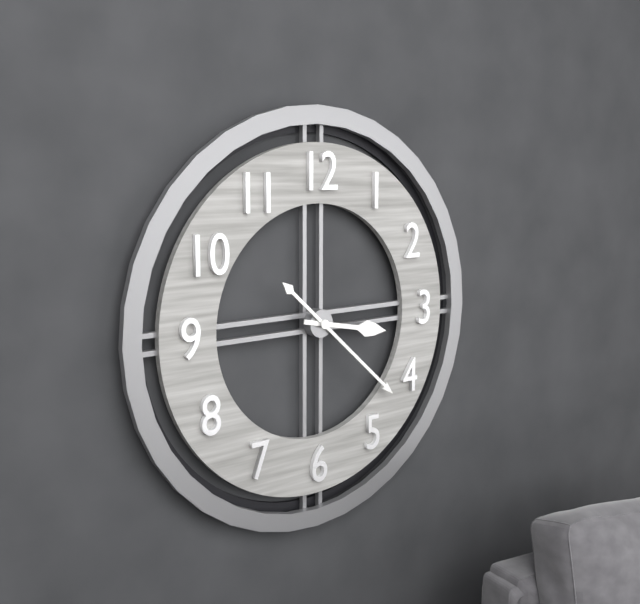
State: 3h22
